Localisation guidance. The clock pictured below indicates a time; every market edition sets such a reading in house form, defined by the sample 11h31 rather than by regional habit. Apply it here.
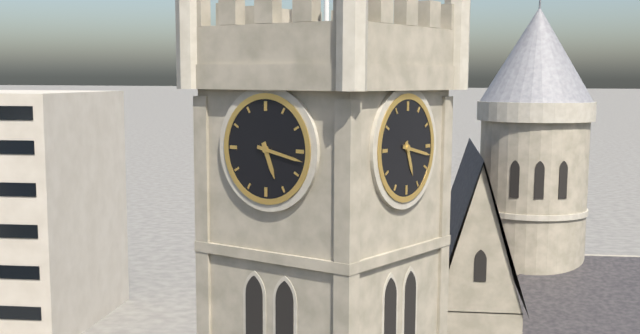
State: 5h17
